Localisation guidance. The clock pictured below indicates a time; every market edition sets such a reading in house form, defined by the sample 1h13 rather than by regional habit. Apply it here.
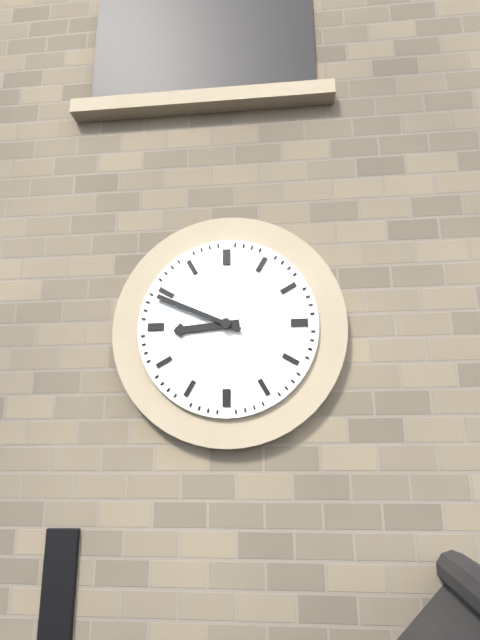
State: 8h49
